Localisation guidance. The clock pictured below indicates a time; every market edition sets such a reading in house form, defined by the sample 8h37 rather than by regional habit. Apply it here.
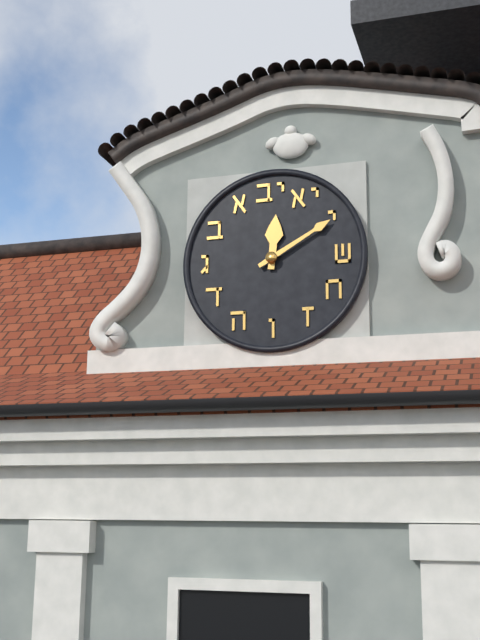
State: 12h10
